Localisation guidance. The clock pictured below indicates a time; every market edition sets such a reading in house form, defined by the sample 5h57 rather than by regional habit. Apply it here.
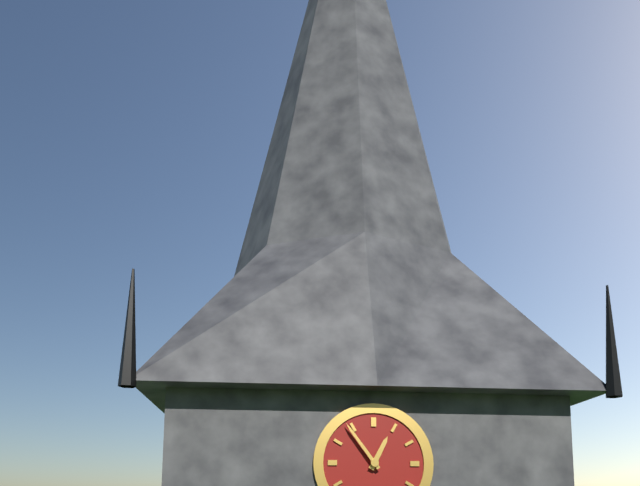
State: 12h54
